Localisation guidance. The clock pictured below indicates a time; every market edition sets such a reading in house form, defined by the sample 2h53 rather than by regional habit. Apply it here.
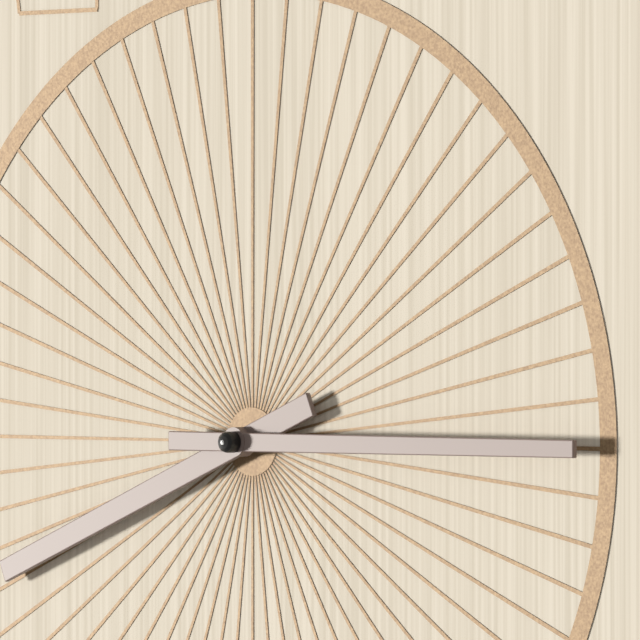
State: 8h15
